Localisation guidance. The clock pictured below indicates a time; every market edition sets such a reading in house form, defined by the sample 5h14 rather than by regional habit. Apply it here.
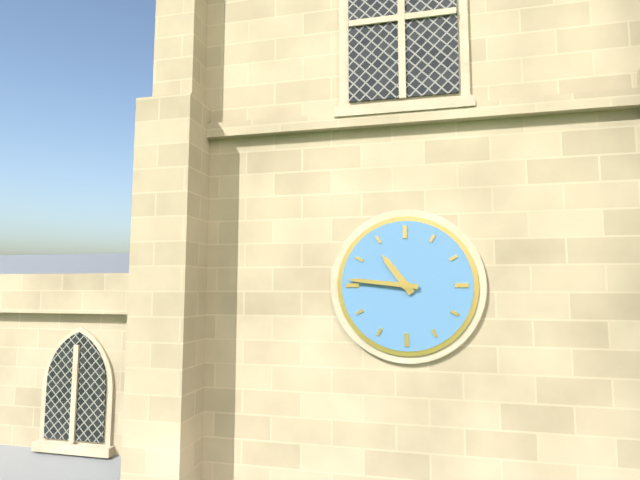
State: 10h46
